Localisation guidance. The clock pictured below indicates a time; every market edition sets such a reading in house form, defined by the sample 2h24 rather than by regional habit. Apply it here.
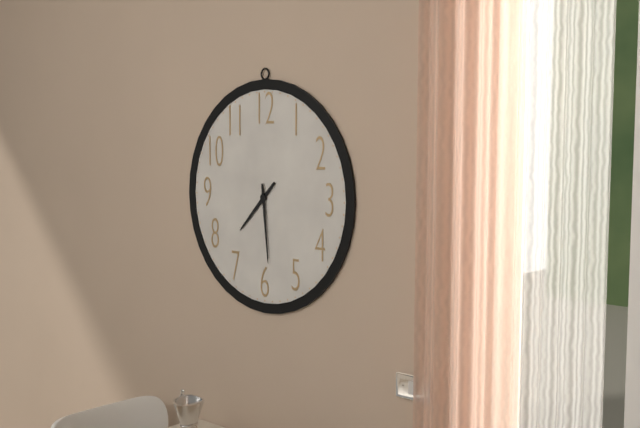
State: 7h29
